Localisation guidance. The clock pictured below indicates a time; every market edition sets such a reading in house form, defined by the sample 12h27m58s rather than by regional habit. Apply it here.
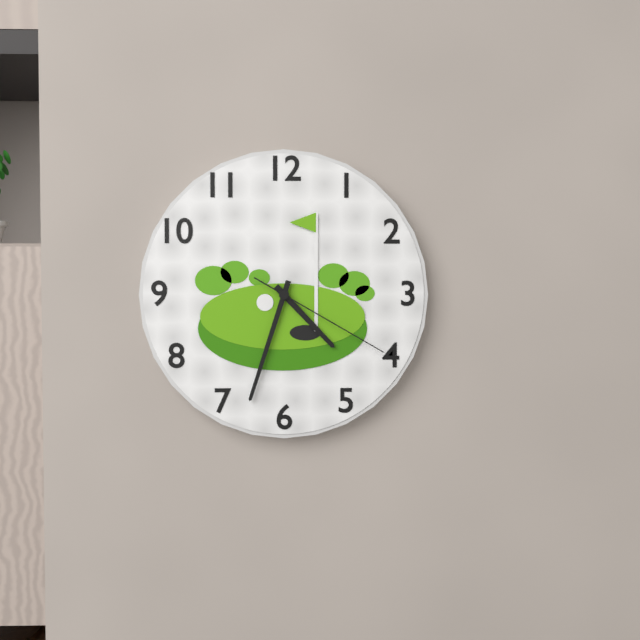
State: 4h33m20s
